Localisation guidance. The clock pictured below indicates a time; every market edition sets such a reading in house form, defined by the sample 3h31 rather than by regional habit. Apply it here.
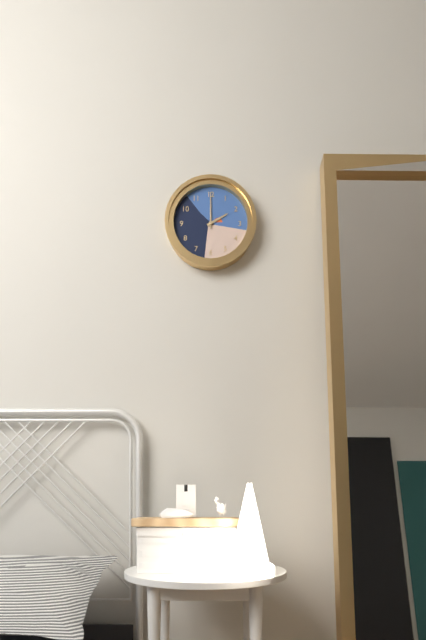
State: 2h00
